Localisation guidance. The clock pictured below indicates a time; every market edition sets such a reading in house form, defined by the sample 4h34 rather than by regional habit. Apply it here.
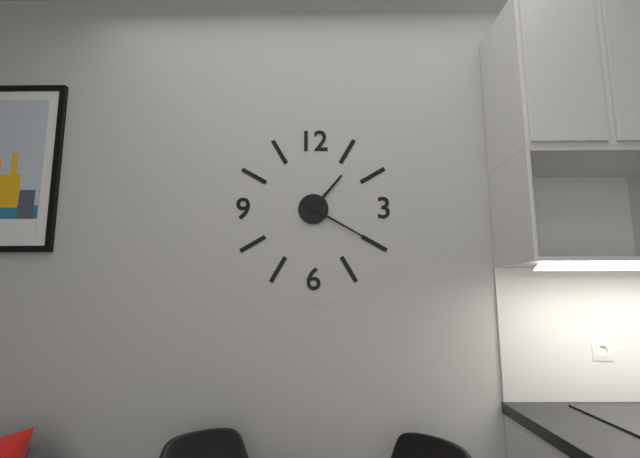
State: 1h20
